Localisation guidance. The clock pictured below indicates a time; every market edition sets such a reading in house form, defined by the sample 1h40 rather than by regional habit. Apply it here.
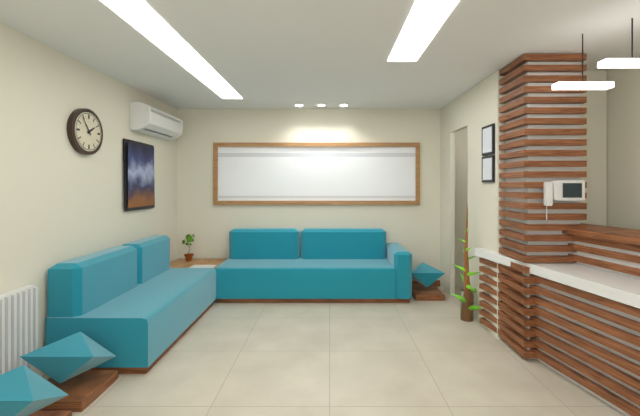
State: 1h54
